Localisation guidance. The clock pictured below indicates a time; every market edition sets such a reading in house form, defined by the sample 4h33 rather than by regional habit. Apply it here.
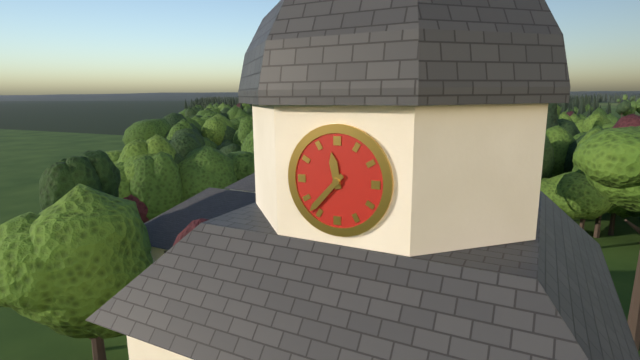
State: 11h37
